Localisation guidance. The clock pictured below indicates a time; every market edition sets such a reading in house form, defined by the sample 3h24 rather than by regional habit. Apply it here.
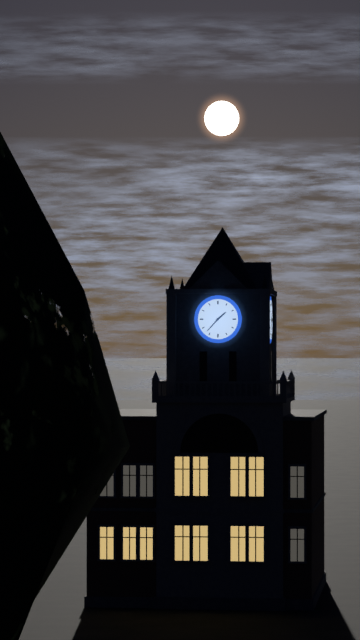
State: 1h37
